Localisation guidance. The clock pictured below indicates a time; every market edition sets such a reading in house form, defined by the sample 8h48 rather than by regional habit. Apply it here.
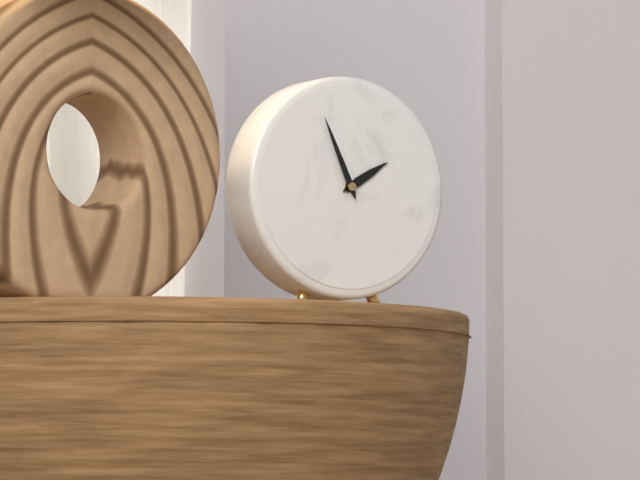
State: 1h56
